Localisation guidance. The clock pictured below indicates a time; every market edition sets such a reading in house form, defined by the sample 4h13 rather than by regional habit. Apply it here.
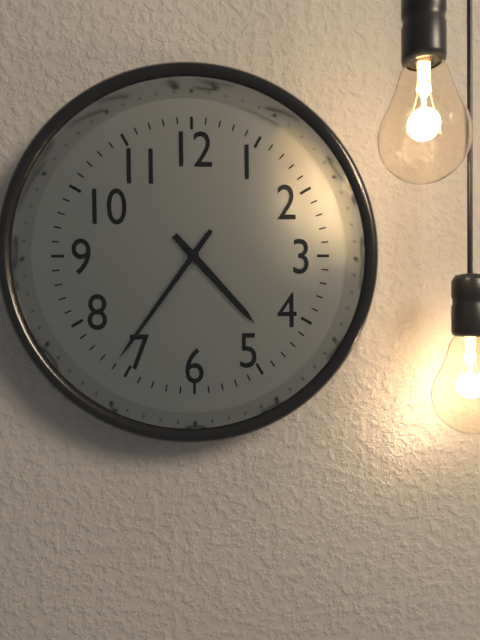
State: 4h36
